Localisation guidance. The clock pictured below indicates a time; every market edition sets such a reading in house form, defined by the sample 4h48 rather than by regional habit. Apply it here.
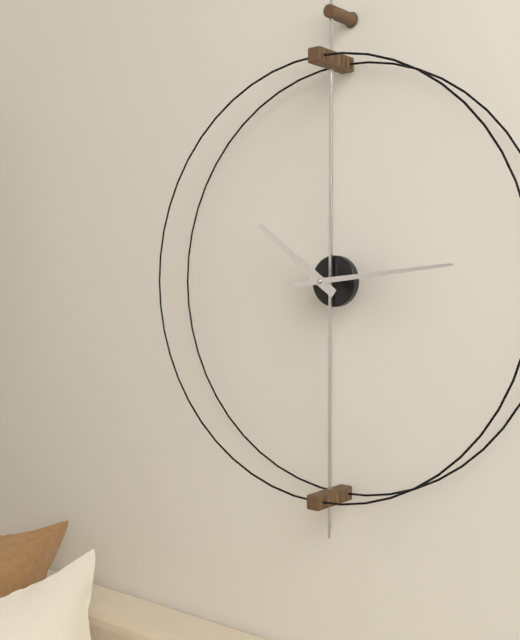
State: 10h14
